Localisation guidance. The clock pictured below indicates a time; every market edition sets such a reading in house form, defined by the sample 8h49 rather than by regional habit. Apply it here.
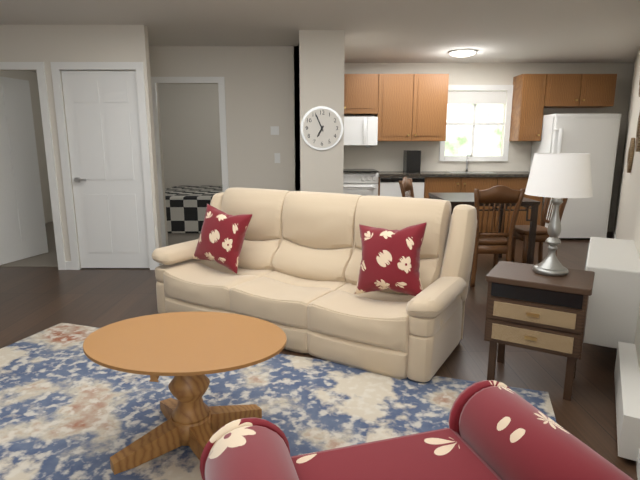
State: 6h56
